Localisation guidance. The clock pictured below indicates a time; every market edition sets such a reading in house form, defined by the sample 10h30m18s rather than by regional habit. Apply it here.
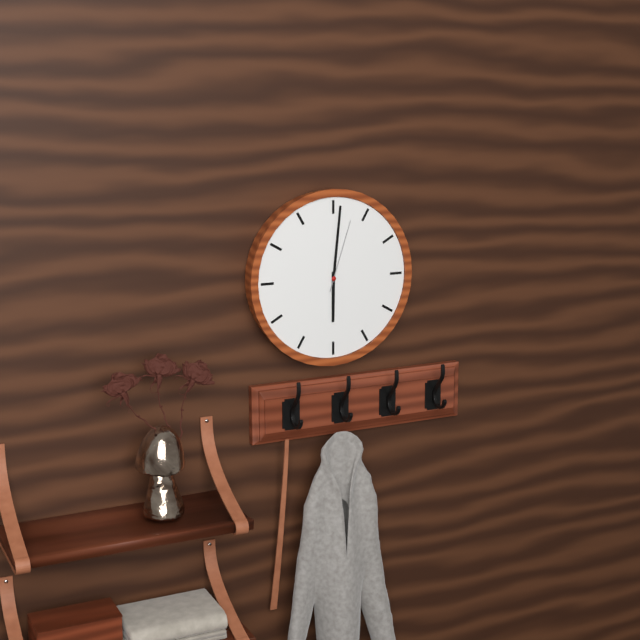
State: 6h01m03s
